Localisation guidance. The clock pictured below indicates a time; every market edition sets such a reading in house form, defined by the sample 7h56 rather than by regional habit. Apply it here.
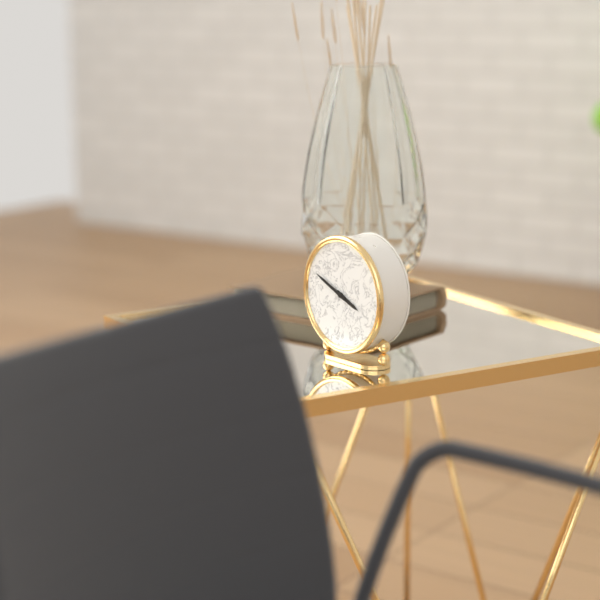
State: 3h49
